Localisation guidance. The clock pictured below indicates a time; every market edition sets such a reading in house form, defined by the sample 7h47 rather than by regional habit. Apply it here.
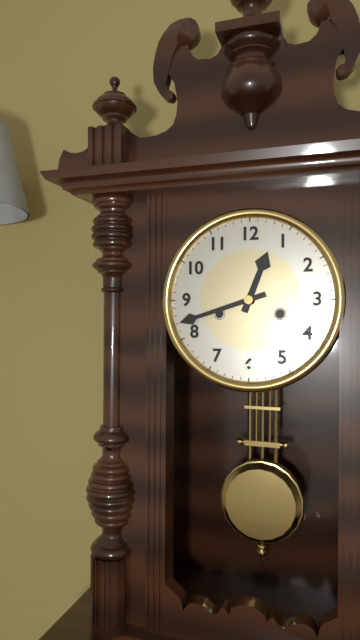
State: 12h42
